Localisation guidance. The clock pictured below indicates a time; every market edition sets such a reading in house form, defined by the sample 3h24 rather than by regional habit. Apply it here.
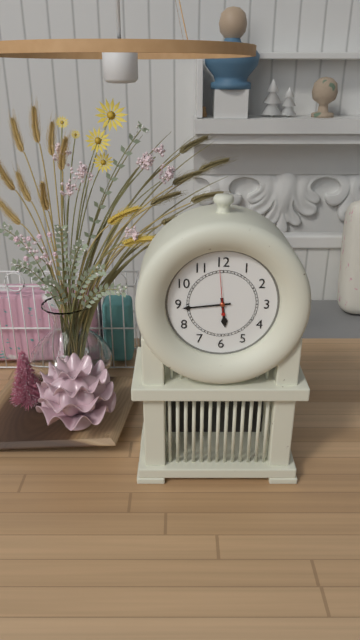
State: 5h44
